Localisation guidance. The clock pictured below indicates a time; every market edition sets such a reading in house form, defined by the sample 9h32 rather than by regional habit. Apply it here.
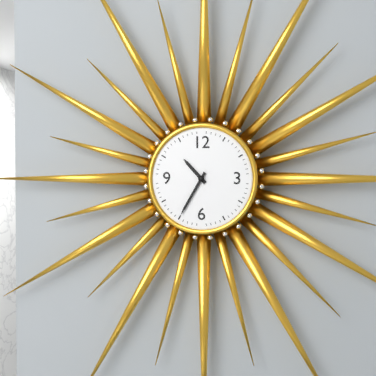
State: 10h35
